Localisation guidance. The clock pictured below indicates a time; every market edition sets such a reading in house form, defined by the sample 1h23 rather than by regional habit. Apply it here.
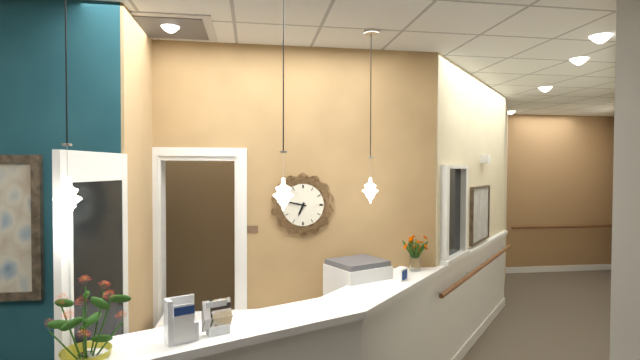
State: 6h47
